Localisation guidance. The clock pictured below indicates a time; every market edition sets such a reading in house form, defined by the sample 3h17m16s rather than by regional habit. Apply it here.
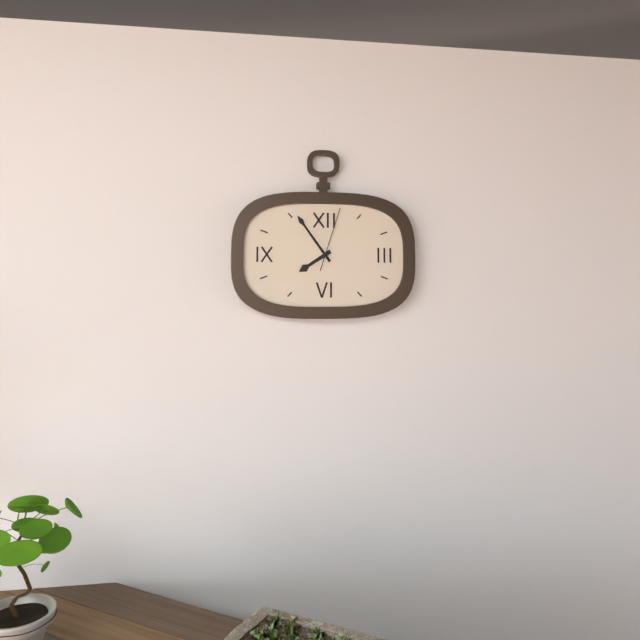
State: 7h54m03s
